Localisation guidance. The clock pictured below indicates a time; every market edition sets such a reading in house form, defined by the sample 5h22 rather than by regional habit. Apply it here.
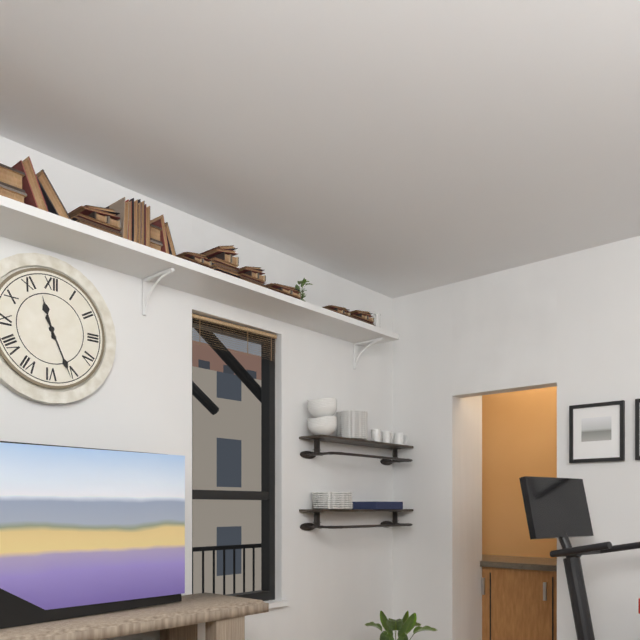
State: 11h26
